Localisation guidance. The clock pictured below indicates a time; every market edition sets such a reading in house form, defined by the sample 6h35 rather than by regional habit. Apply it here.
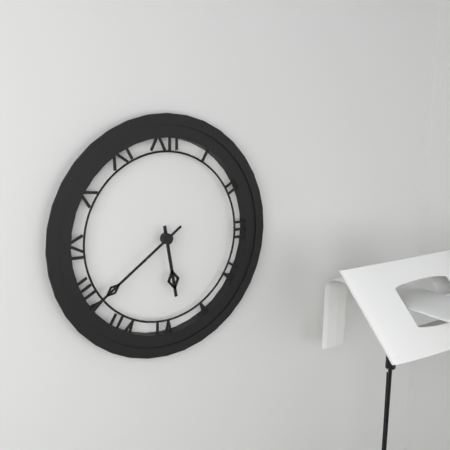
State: 5h39
